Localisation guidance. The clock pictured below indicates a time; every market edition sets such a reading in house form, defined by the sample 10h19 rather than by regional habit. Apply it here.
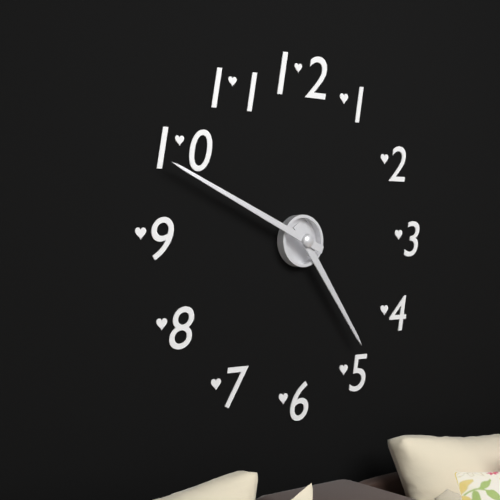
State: 4h49
